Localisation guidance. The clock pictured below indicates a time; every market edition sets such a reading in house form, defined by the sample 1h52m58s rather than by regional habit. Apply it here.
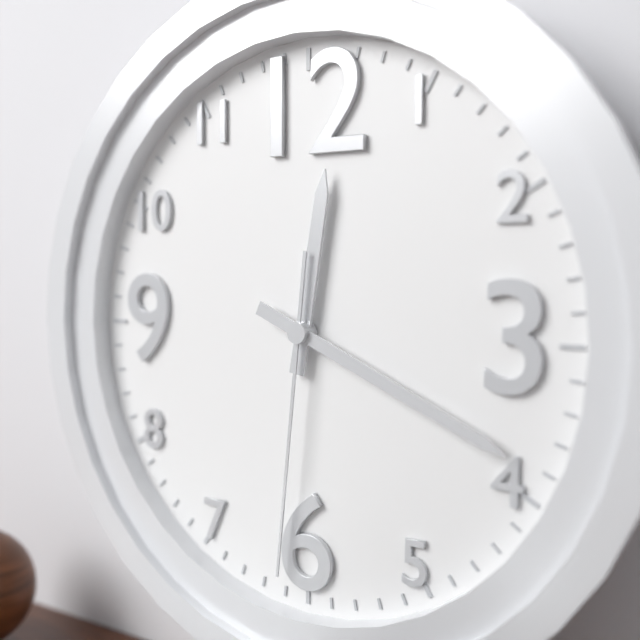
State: 12h19m31s
